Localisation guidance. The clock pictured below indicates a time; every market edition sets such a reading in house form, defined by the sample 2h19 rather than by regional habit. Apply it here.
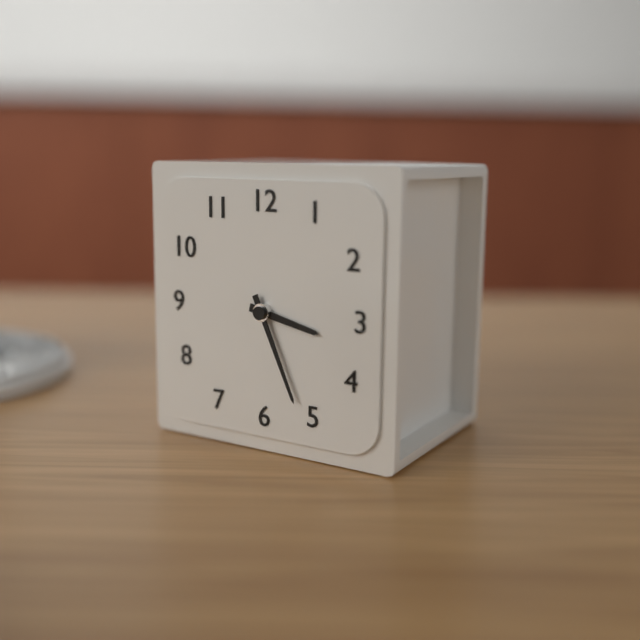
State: 3h26
